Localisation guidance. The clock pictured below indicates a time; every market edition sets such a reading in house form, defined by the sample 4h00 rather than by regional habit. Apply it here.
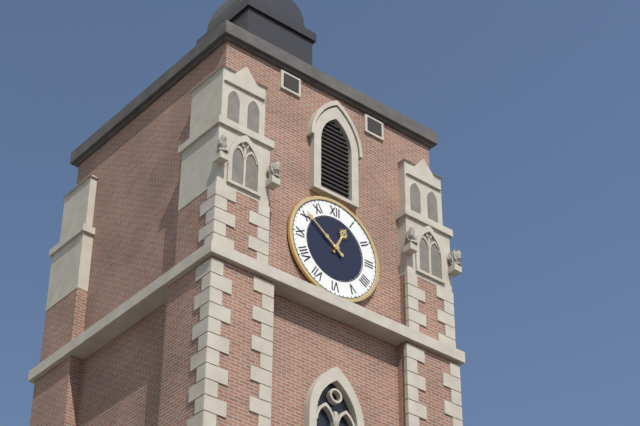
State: 12h51
